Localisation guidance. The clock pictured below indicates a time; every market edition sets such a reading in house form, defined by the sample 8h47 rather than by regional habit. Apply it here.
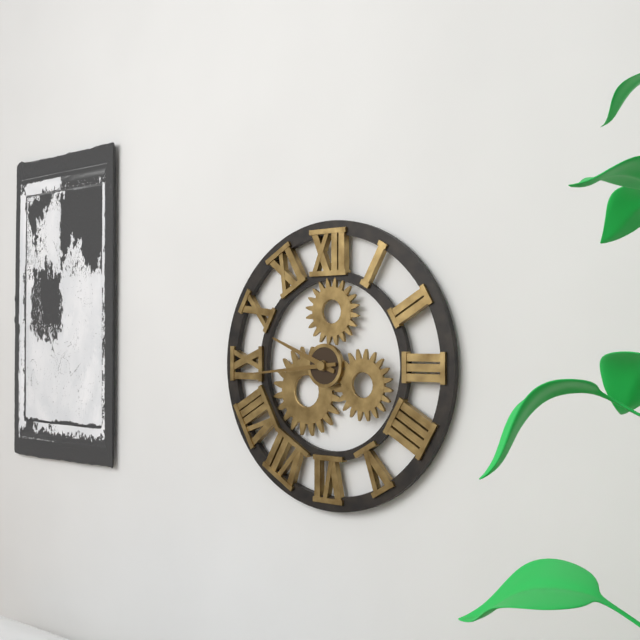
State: 9h44
